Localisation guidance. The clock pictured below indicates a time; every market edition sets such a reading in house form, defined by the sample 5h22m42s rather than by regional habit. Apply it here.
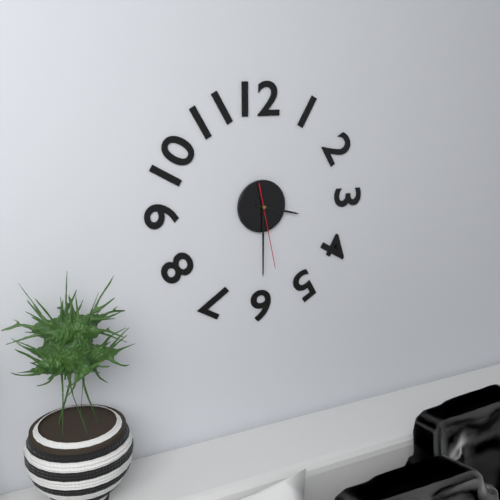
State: 3h30m28s
